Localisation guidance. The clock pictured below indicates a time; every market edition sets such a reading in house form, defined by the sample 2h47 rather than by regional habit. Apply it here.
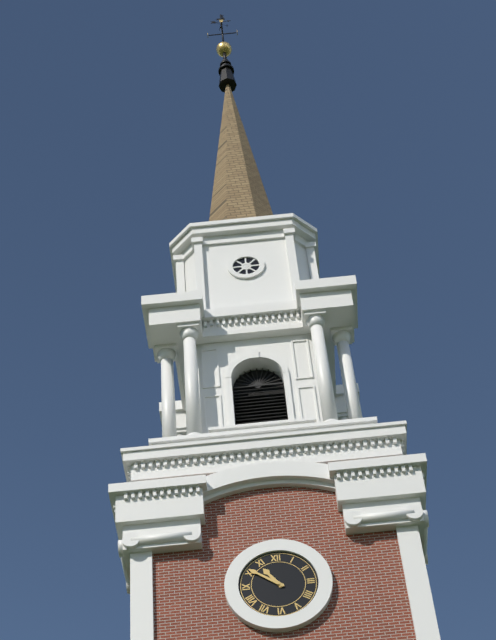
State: 10h51
